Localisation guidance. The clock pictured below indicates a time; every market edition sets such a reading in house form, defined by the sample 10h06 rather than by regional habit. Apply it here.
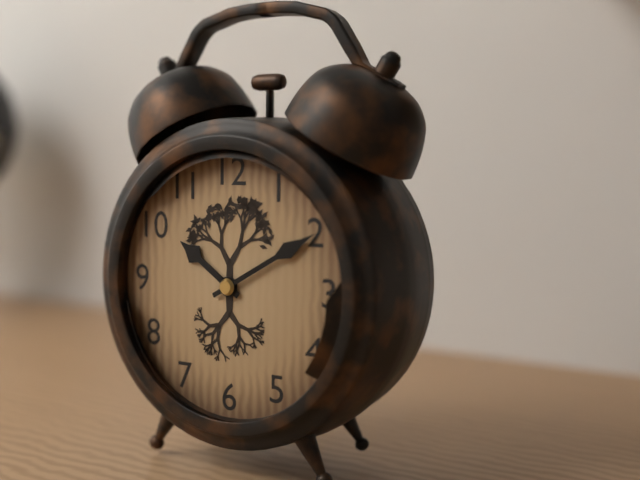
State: 10h10
